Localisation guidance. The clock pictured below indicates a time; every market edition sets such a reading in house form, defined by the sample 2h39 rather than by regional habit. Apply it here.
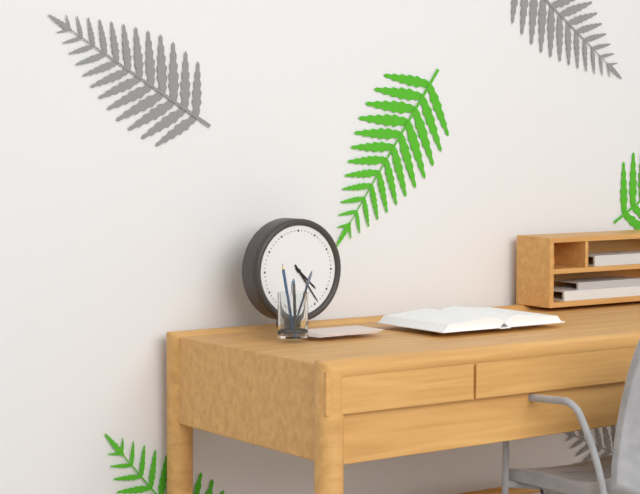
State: 4h24
